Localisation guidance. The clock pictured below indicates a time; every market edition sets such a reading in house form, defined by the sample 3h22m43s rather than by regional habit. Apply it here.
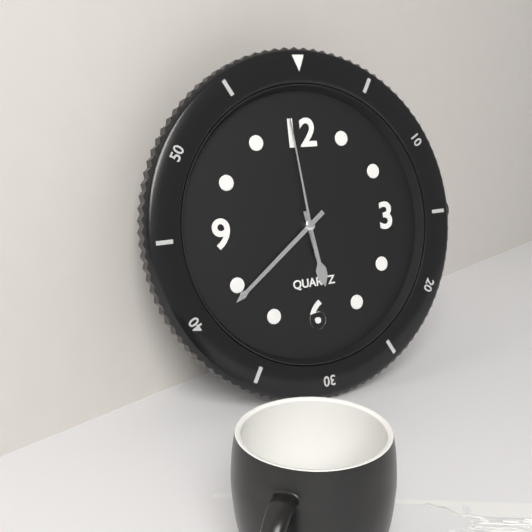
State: 5h39m59s
